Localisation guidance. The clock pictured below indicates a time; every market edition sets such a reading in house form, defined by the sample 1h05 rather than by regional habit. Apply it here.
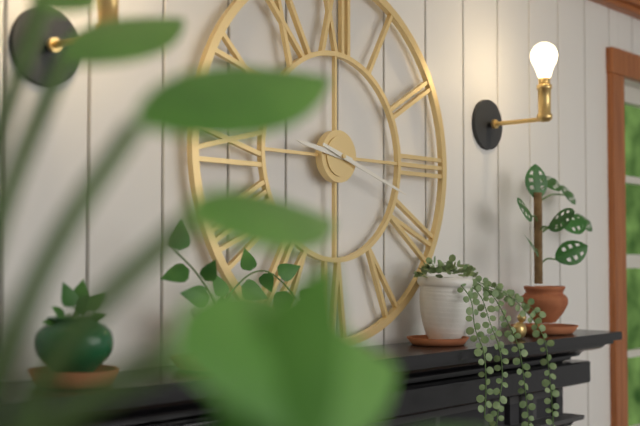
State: 9h18
